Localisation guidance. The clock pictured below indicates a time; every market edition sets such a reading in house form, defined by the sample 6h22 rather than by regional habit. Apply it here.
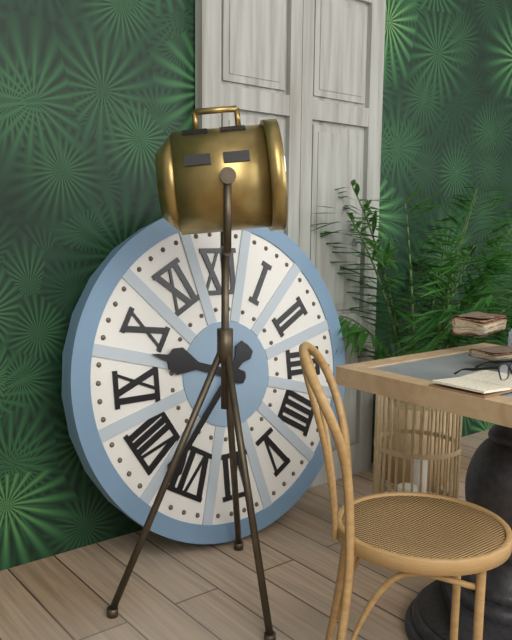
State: 9h37
